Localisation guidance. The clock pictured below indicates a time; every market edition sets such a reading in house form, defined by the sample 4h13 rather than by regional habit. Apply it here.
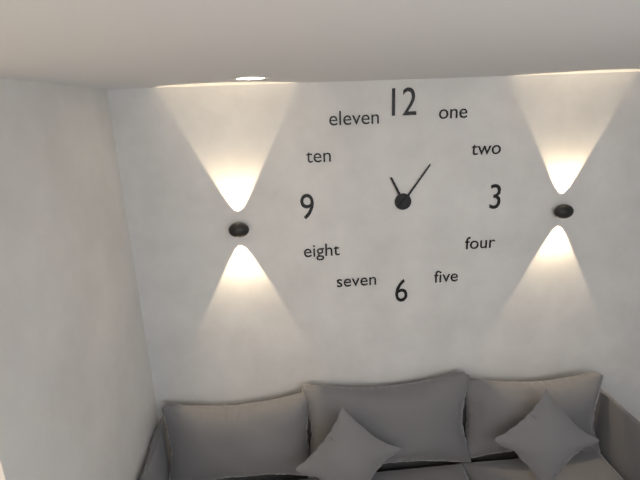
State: 11h06
